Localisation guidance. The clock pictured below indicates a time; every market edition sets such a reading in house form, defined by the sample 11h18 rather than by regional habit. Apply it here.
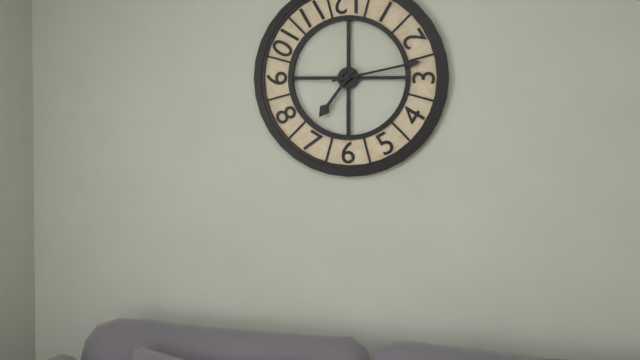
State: 7h13
